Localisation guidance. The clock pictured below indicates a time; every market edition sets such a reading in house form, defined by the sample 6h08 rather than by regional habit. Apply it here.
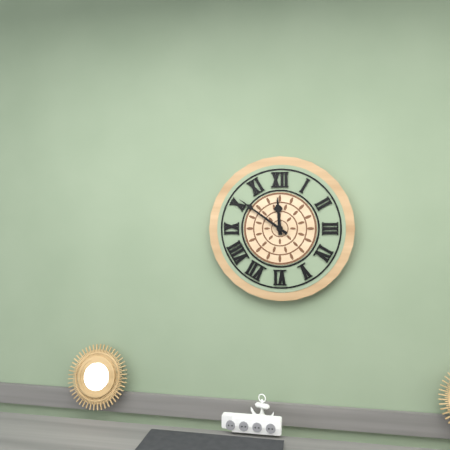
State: 11h51
